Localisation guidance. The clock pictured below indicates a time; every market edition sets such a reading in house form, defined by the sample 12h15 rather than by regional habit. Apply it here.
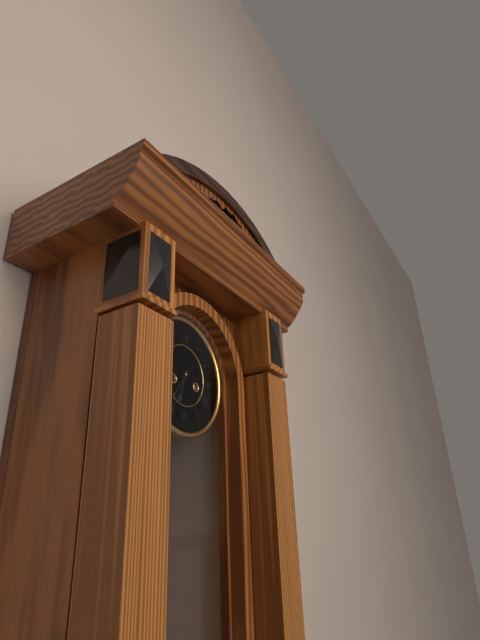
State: 6h36
